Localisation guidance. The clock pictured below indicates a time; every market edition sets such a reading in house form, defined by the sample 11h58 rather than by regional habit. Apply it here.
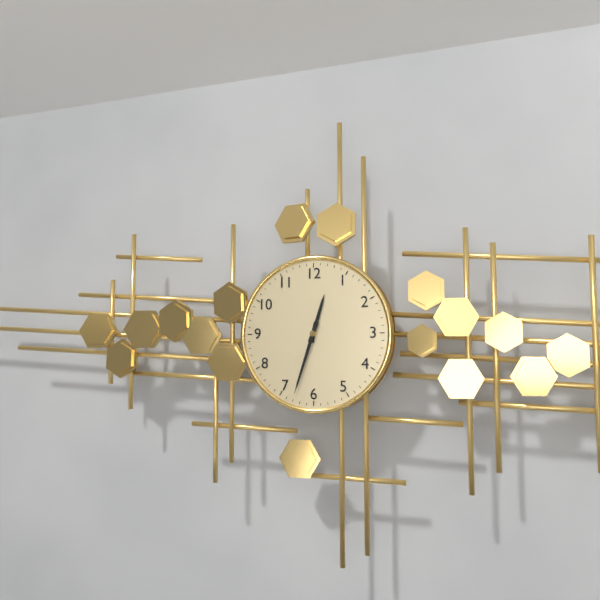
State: 12h33
